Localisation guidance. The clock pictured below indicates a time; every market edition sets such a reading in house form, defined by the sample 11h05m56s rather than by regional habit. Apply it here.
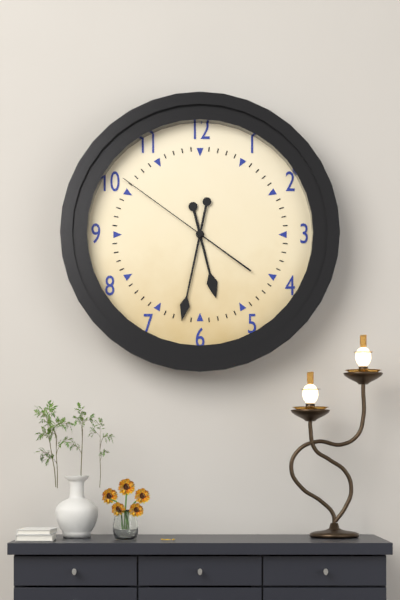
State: 5h32m51s
